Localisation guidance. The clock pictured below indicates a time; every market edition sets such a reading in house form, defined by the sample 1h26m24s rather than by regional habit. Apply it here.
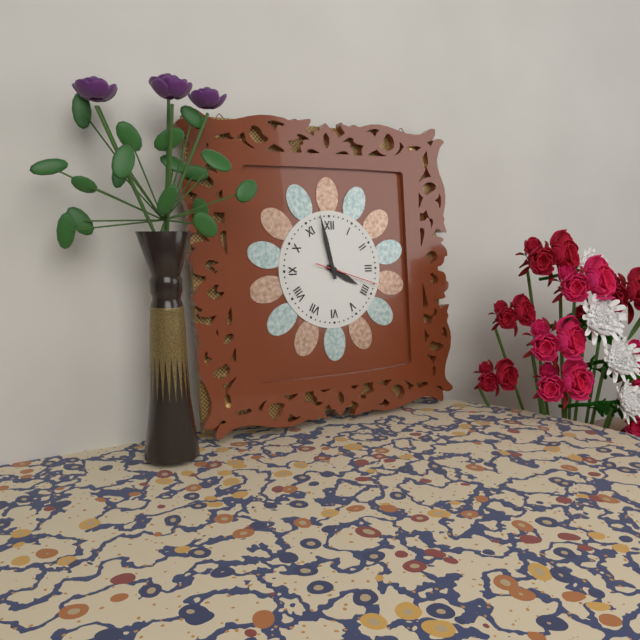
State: 3h58m18s
